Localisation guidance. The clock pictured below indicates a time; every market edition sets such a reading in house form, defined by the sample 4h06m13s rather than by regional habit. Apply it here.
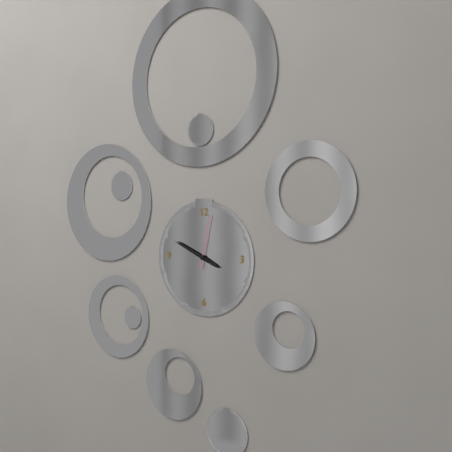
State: 3h49m02s
